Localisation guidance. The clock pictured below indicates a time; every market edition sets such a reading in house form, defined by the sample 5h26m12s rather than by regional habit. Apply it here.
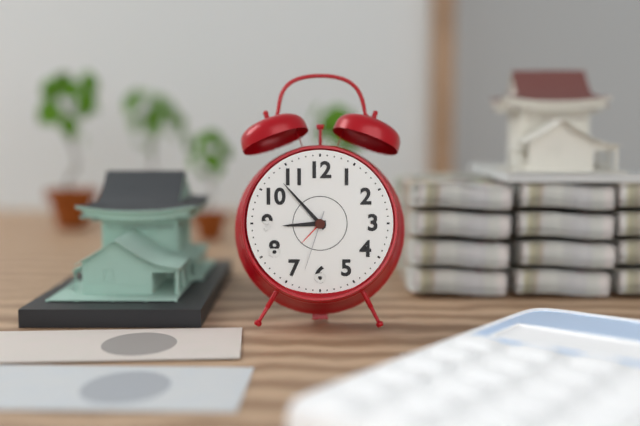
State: 8h53m33s
